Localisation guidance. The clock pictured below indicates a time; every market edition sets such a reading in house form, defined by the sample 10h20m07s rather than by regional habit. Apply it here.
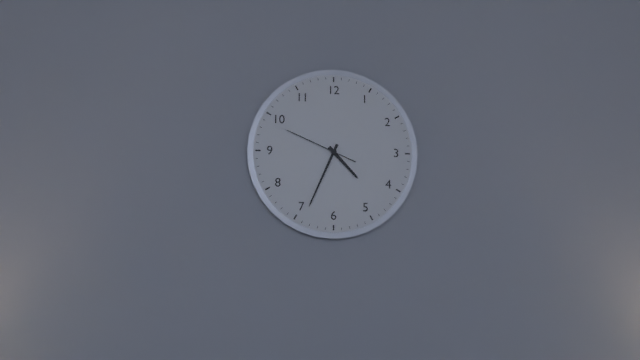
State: 4h34m49s
